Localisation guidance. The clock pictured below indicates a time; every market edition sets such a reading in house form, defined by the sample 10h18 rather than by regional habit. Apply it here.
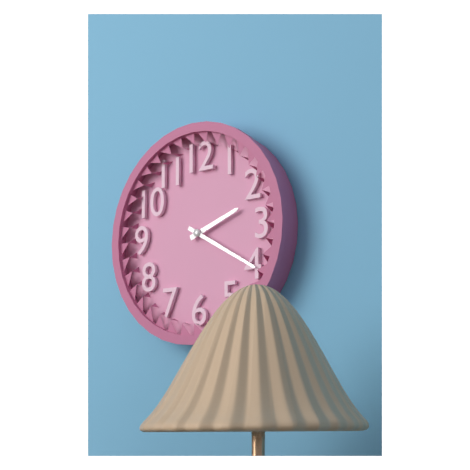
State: 2h20
